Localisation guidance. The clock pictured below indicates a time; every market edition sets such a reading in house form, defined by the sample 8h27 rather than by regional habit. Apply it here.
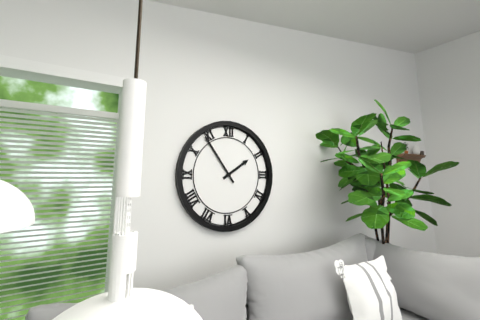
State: 1h54
